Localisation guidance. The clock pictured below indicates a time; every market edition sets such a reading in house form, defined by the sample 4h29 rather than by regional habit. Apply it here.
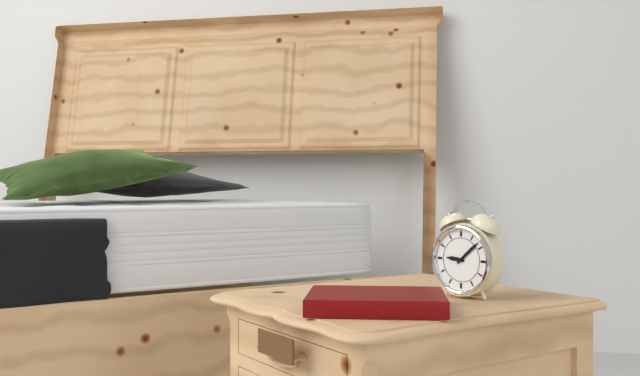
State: 9h08
